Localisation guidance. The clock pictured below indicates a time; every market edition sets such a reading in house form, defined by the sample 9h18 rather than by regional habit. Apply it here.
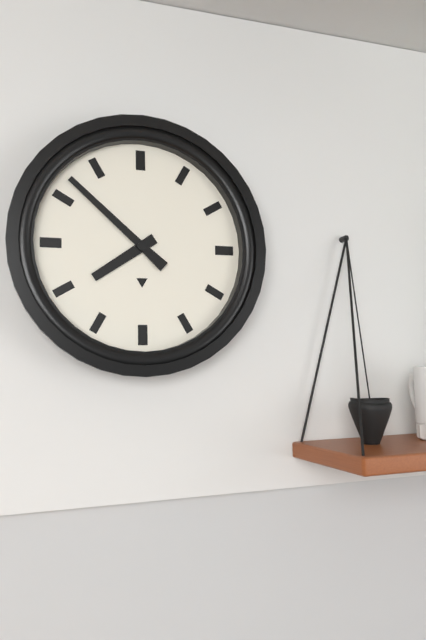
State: 7h52
